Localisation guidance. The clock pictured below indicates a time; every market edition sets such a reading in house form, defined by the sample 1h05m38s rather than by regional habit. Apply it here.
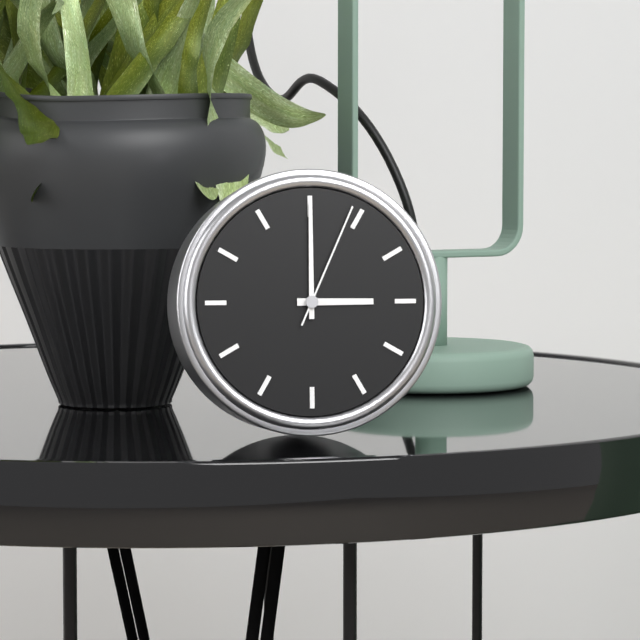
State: 3h00m04s
